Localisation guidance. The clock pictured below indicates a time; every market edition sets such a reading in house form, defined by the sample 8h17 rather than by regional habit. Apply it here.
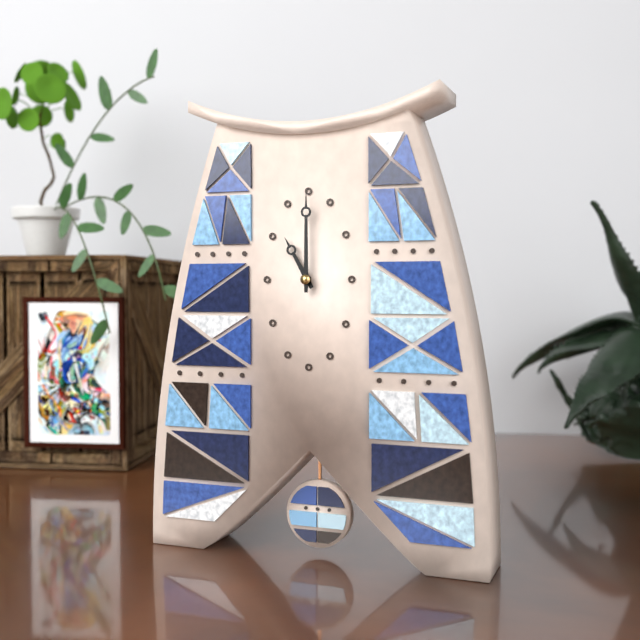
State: 11h00
